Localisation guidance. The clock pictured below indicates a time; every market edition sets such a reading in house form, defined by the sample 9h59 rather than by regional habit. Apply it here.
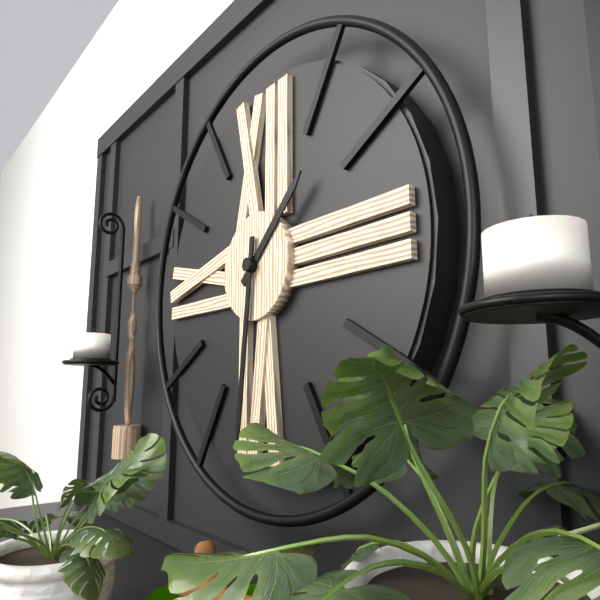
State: 1h31
